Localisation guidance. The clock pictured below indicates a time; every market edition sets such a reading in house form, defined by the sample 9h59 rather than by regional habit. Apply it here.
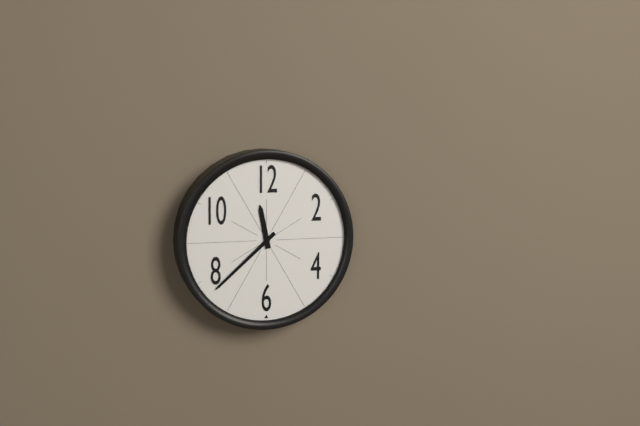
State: 11h38
